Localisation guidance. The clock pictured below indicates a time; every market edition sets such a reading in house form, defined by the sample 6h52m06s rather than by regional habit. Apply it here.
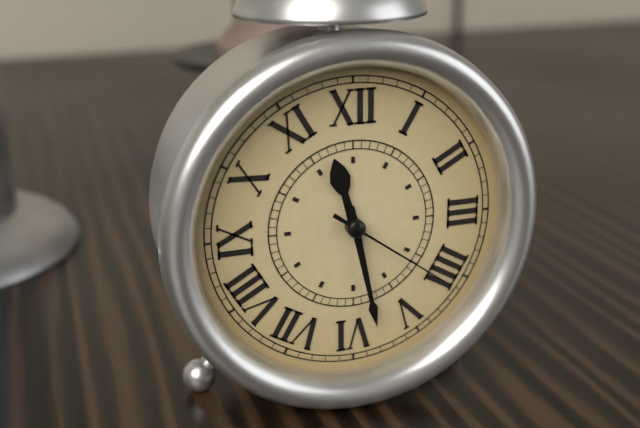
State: 11h28m21s
